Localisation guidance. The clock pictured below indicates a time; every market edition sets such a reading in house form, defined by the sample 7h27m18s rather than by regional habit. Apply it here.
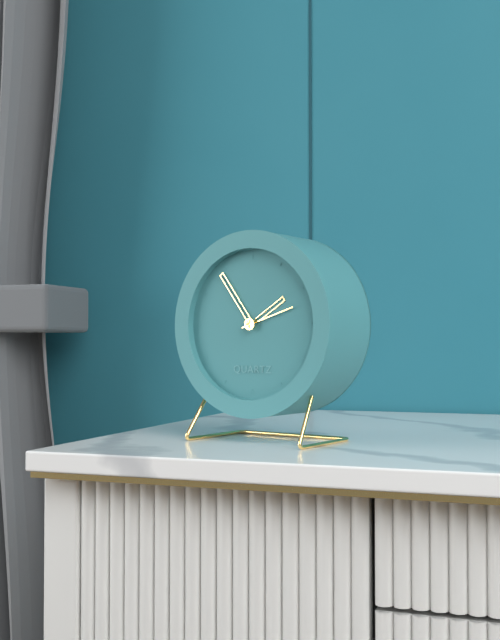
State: 1h54m12s
